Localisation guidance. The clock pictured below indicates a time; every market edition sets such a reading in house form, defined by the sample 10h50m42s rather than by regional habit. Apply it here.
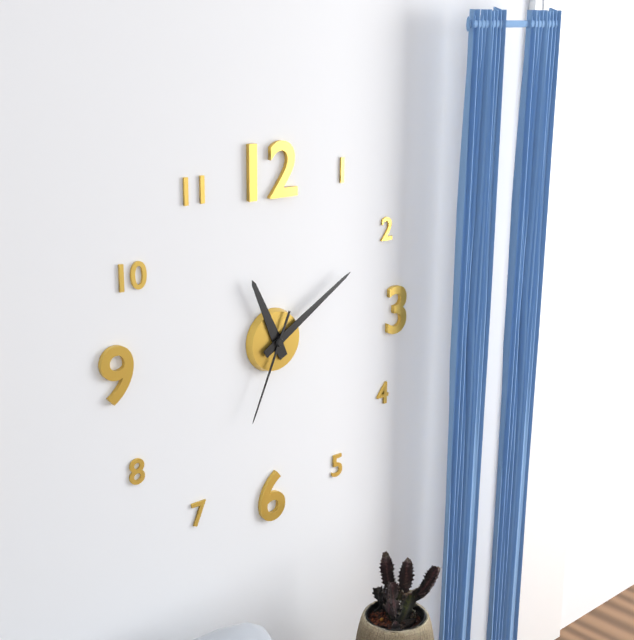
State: 11h10m34s
